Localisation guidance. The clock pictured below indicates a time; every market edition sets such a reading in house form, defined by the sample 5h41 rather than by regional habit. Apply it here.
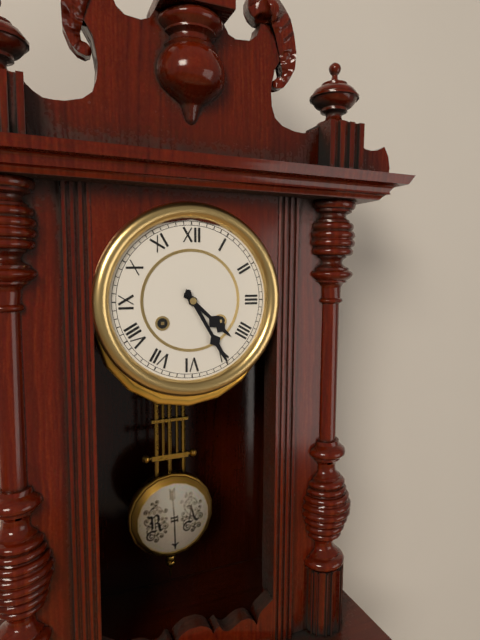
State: 4h25
